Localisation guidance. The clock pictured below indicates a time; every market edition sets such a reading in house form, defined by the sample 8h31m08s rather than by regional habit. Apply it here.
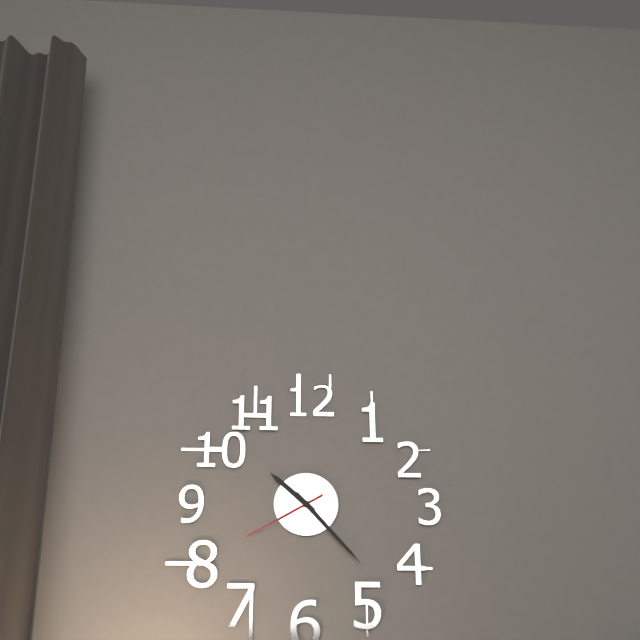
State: 10h23m40s
